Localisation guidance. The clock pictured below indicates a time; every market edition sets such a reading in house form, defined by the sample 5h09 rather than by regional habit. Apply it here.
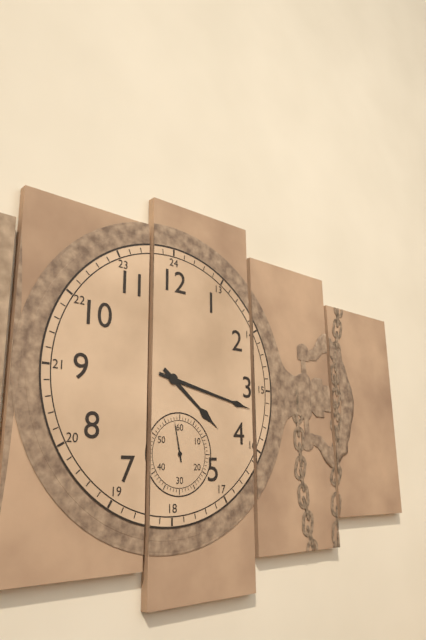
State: 4h17
